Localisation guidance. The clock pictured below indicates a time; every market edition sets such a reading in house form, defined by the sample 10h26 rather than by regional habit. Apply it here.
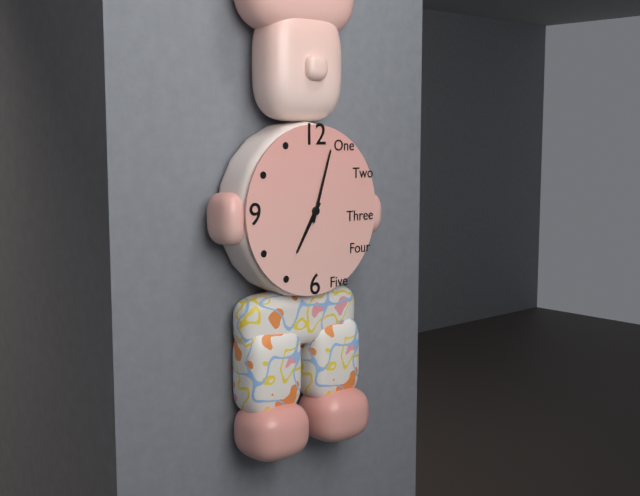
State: 7h03
